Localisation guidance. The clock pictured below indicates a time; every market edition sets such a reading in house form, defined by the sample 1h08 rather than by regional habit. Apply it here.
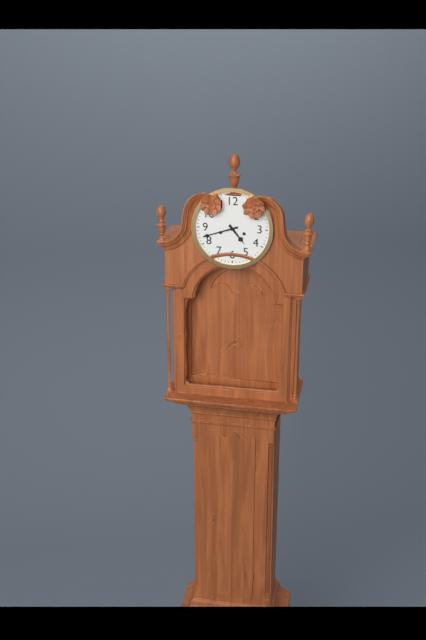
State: 4h42
